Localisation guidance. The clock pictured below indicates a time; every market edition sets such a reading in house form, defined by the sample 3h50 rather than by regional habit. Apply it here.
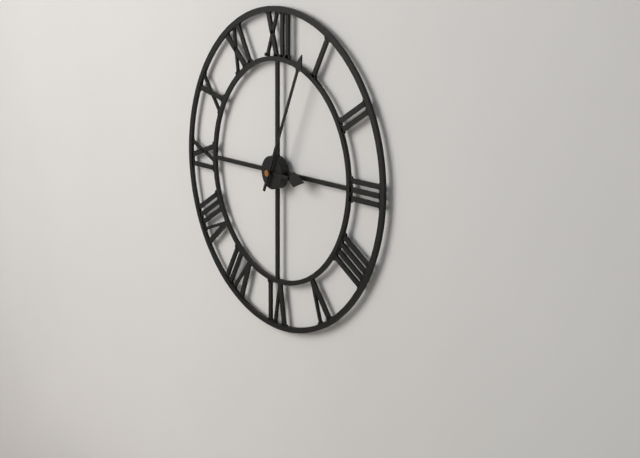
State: 3h04
